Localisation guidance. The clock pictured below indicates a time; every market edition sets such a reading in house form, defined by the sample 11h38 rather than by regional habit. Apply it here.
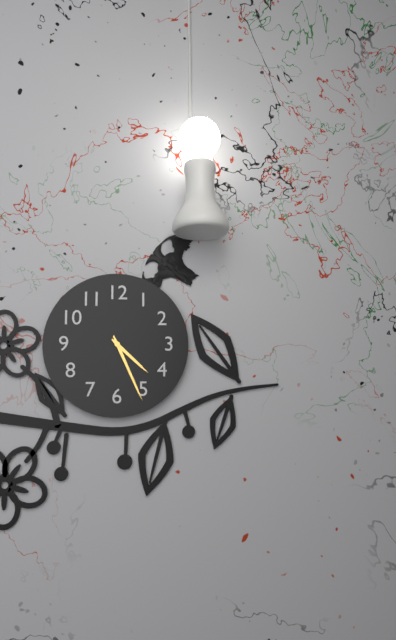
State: 4h26
